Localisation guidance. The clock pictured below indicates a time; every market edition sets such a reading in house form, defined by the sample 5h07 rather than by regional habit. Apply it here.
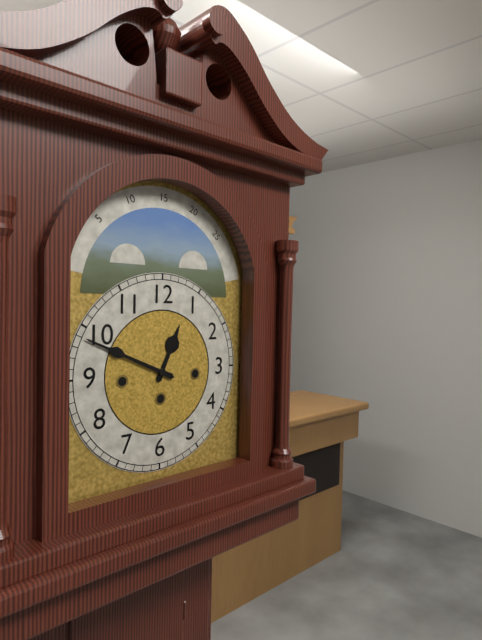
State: 12h49
